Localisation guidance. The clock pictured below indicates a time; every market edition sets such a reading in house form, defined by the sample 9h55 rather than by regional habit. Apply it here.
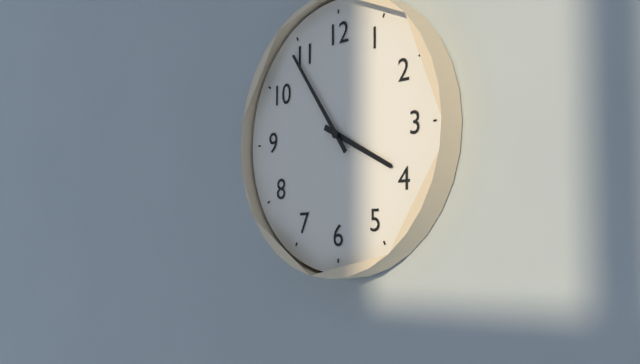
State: 3h54
